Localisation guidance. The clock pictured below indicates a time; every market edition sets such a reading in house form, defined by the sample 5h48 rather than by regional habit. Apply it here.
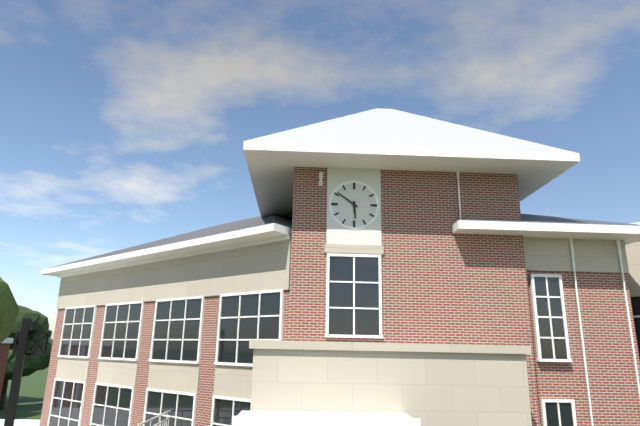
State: 5h51
